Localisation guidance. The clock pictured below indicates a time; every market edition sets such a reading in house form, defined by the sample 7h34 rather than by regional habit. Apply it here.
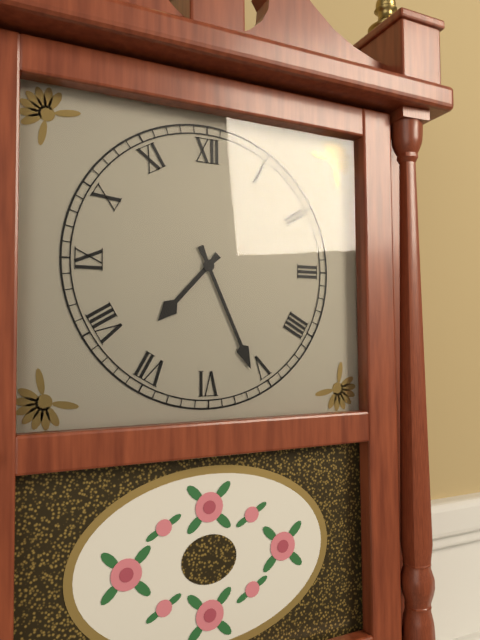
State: 7h26
